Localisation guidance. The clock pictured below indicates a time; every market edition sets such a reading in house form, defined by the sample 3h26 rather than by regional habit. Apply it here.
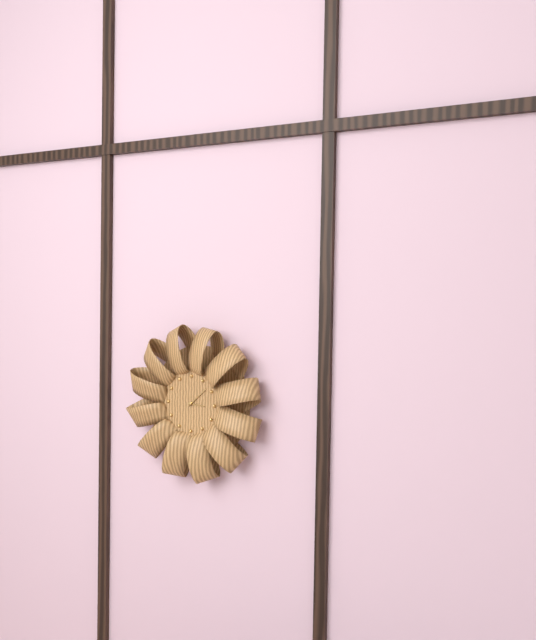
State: 3h08
